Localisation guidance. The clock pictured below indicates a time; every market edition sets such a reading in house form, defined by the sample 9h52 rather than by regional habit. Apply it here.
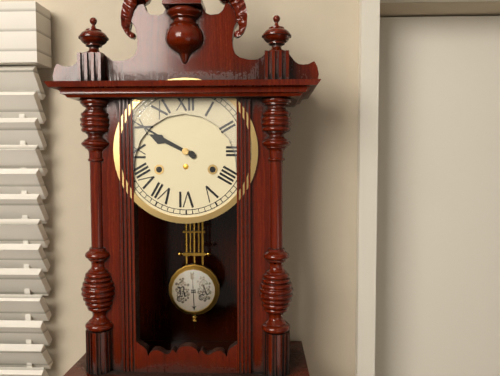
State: 9h50
